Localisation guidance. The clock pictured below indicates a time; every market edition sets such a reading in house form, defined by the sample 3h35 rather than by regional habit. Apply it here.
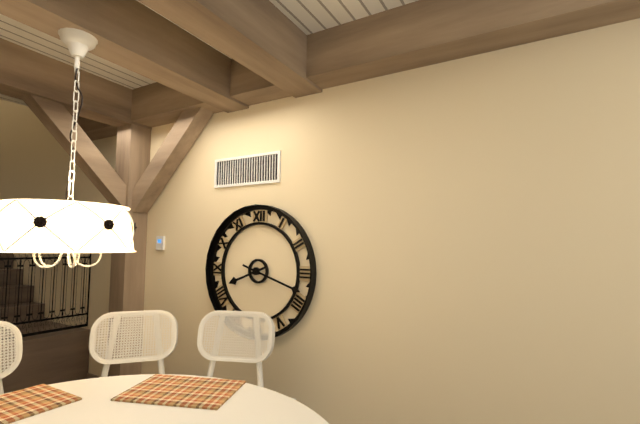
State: 8h18
